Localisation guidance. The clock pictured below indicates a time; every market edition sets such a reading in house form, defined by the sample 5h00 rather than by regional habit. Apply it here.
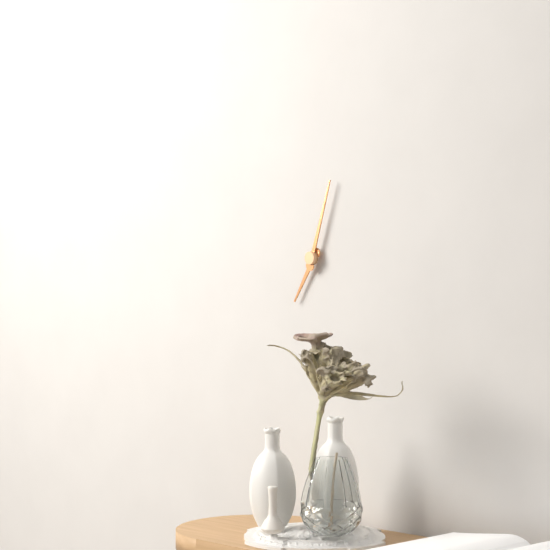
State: 7h03
